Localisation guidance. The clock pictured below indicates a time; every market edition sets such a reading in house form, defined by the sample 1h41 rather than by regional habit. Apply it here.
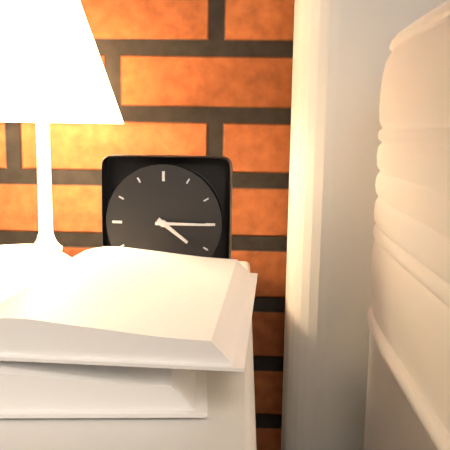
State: 4h15
